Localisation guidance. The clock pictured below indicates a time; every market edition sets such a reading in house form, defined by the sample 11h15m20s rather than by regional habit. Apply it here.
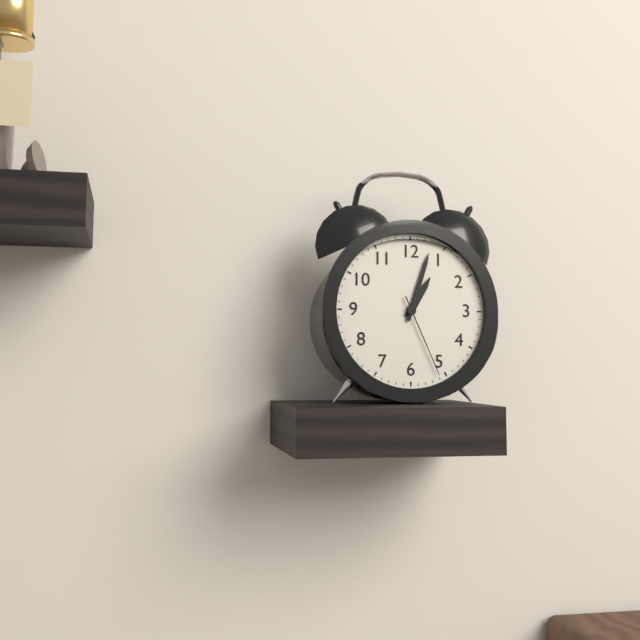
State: 1h03m26s
